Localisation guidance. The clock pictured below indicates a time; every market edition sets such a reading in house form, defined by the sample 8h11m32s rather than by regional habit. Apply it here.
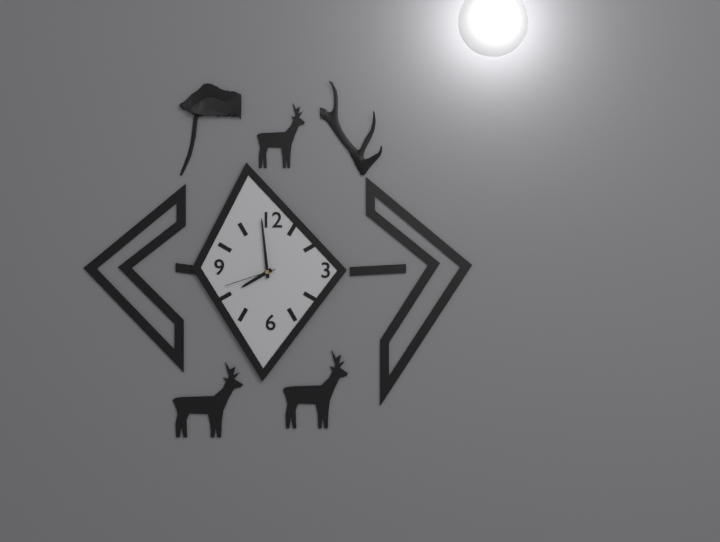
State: 7h59m42s
